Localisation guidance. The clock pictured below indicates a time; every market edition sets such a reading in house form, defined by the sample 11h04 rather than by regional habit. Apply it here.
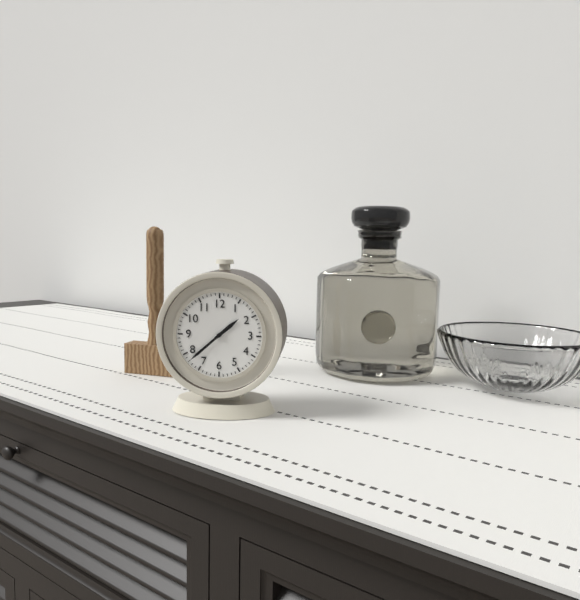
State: 1h38
